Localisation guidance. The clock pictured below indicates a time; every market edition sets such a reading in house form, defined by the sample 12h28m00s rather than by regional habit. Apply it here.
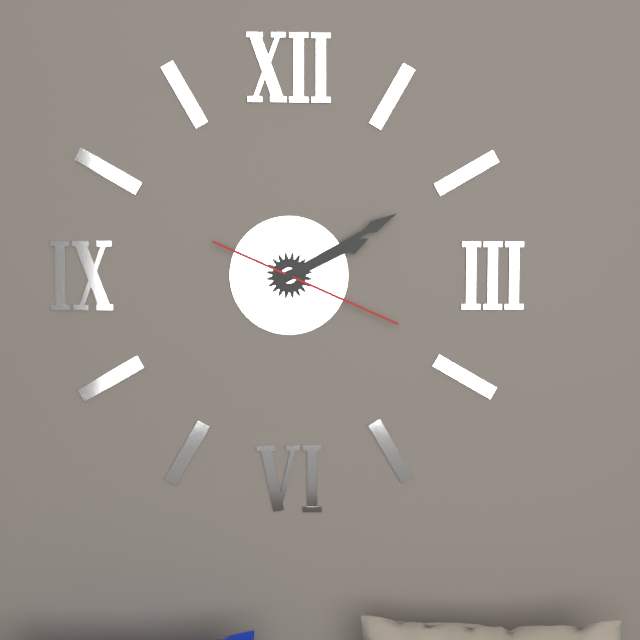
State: 2h10m19s
